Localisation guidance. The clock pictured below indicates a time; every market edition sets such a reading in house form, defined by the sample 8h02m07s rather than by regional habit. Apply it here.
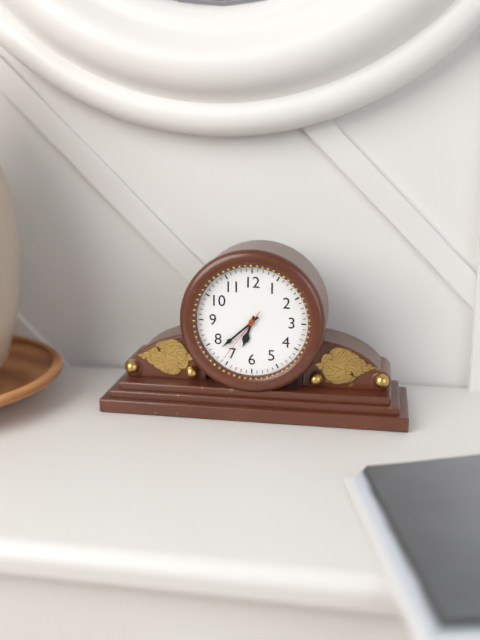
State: 6h38m36s
